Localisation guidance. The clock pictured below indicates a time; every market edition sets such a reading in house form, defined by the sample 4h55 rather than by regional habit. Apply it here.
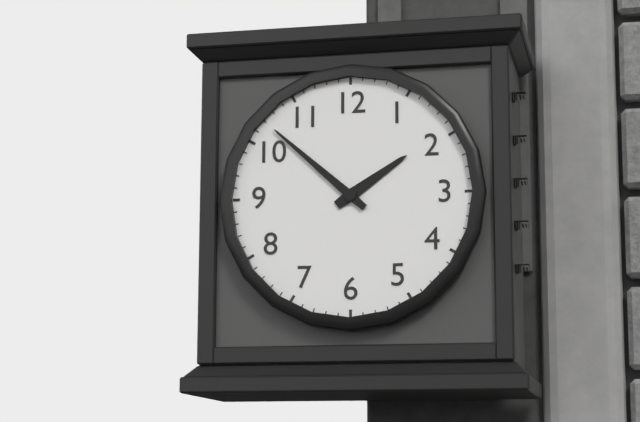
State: 1h52
